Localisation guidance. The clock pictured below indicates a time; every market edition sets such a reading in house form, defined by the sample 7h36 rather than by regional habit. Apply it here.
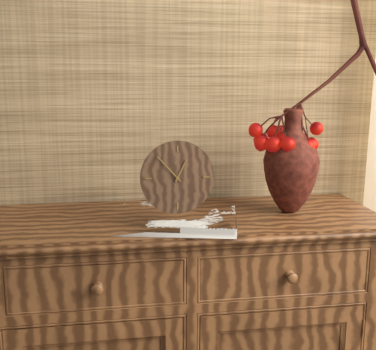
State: 12h53
